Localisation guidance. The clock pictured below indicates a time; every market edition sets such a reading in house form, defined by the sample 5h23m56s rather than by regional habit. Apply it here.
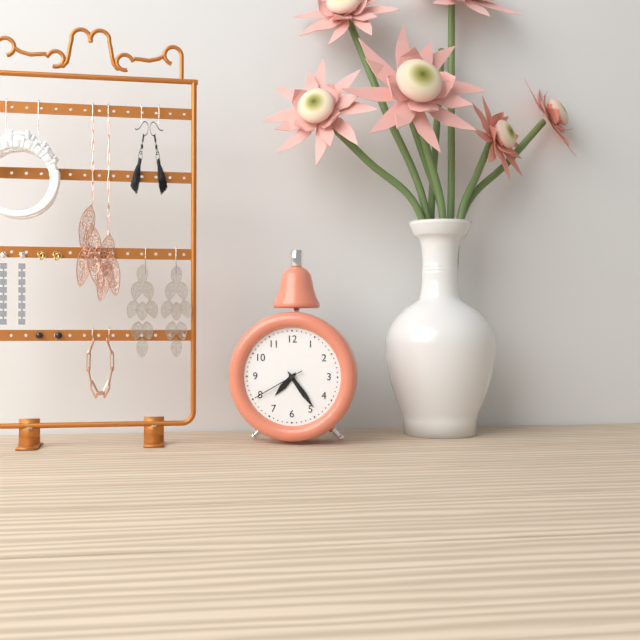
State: 7h24m40s
